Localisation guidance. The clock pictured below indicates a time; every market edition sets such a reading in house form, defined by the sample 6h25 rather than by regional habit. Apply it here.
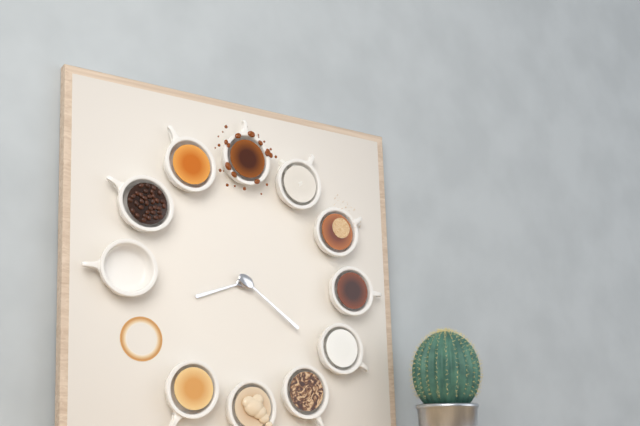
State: 8h21
